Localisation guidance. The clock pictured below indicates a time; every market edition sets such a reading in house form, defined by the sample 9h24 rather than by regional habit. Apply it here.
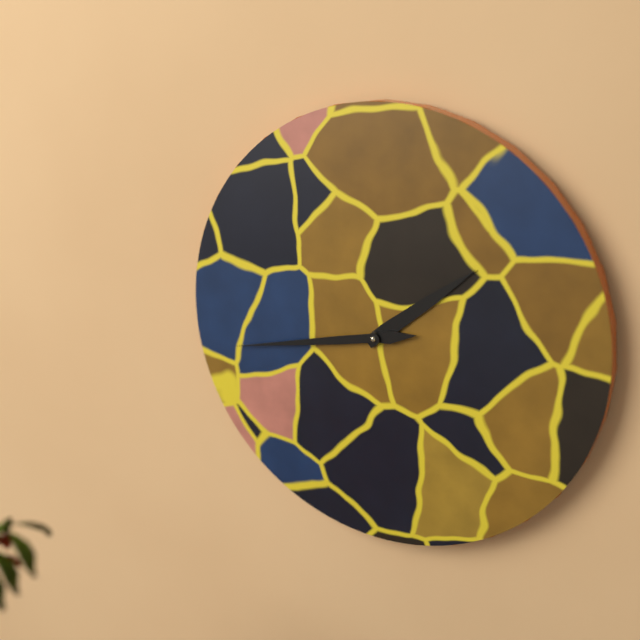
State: 1h43
